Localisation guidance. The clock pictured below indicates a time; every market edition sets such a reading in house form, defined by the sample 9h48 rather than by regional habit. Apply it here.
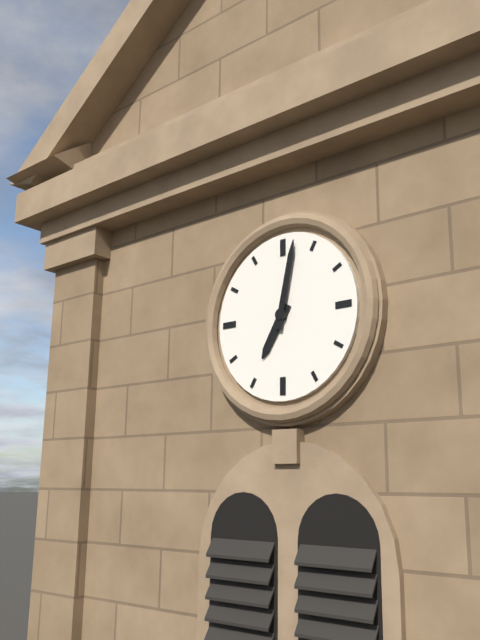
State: 7h02
